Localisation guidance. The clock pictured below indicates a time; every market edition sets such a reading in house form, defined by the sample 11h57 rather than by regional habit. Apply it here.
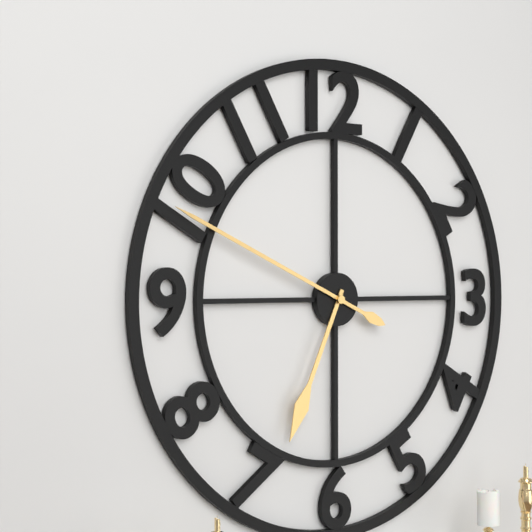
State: 6h49
